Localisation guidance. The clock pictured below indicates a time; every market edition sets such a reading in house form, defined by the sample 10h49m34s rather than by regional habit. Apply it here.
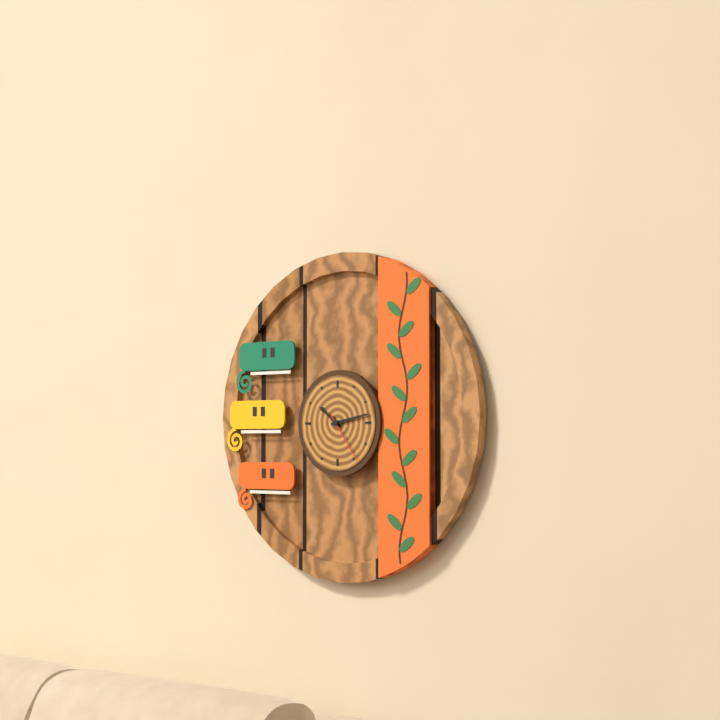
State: 10h13m24s
